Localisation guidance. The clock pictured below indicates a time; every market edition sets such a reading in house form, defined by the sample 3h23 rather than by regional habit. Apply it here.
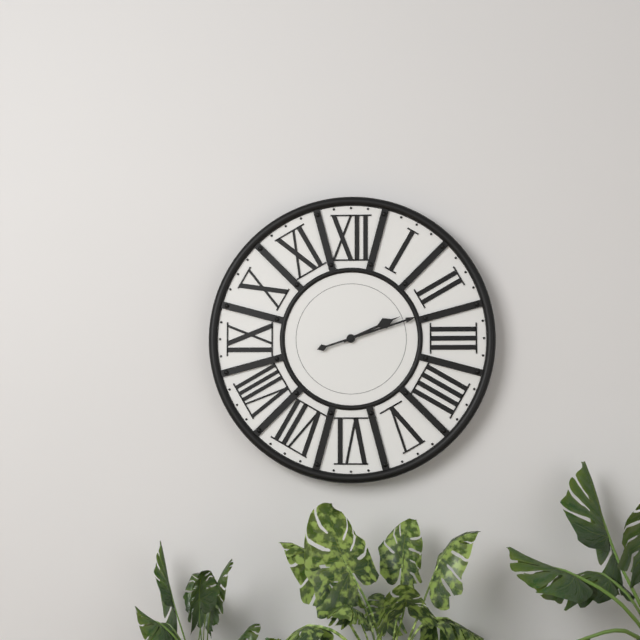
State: 2h12
